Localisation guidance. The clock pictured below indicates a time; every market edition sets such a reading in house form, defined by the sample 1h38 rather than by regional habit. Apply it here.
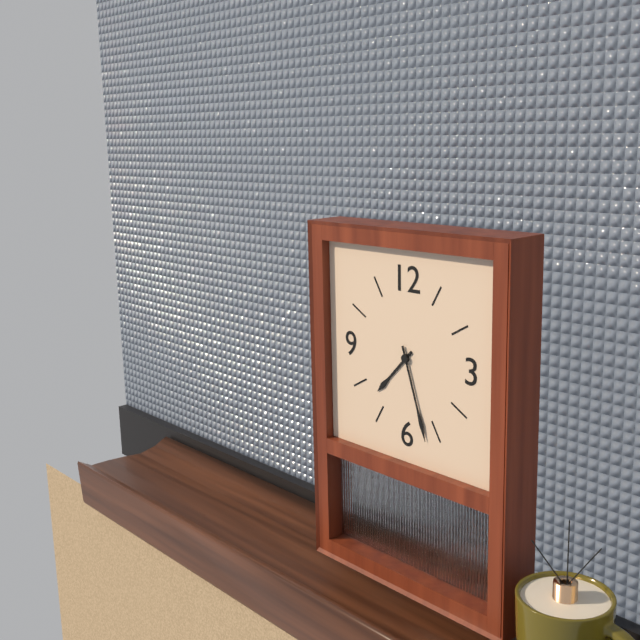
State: 7h27
